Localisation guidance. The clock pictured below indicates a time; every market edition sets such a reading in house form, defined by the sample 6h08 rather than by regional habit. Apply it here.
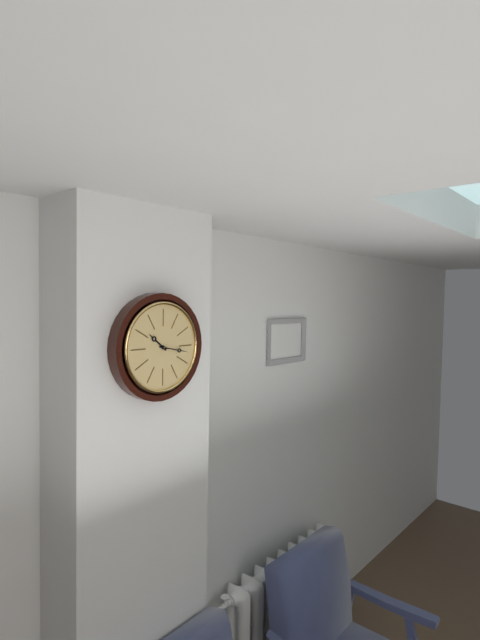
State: 10h17
